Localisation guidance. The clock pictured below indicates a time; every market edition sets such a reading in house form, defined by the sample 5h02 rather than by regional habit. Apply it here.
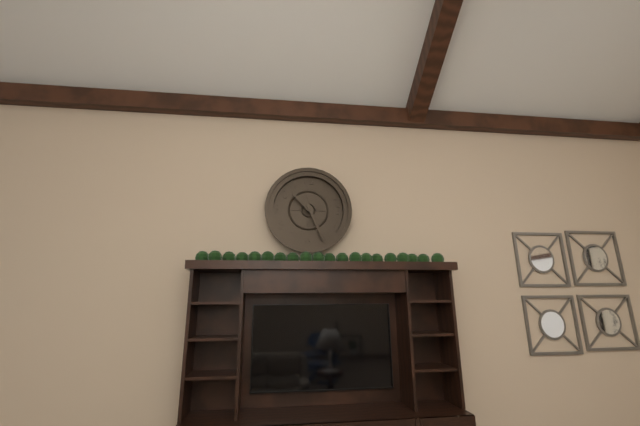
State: 10h26
